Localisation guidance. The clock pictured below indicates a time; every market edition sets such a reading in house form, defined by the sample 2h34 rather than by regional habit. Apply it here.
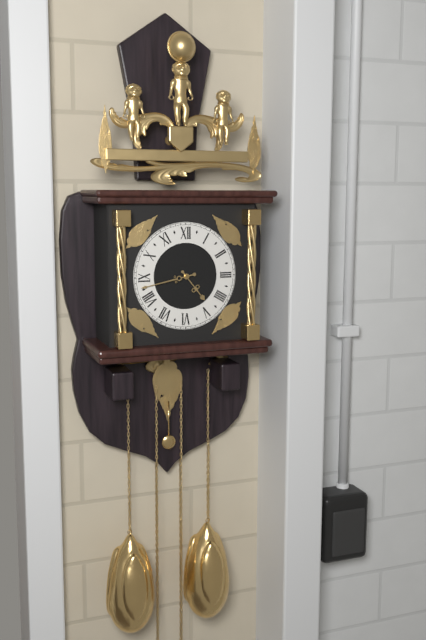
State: 4h43
